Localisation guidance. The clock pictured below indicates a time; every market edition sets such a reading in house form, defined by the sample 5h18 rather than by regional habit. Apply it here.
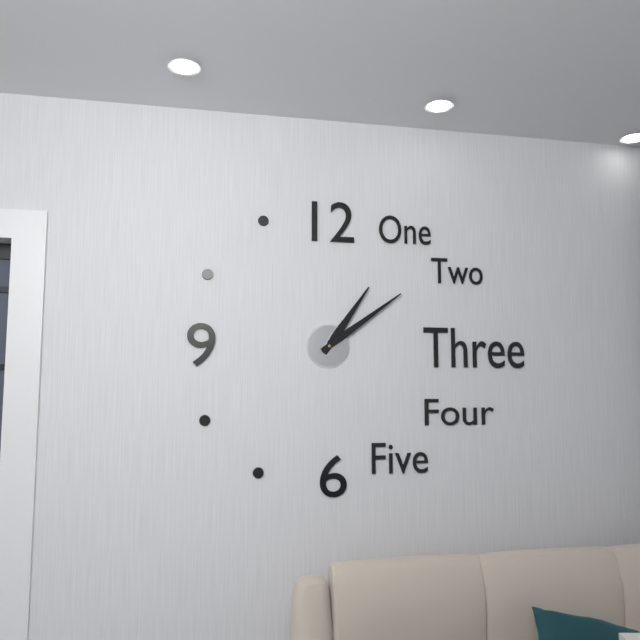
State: 1h09
